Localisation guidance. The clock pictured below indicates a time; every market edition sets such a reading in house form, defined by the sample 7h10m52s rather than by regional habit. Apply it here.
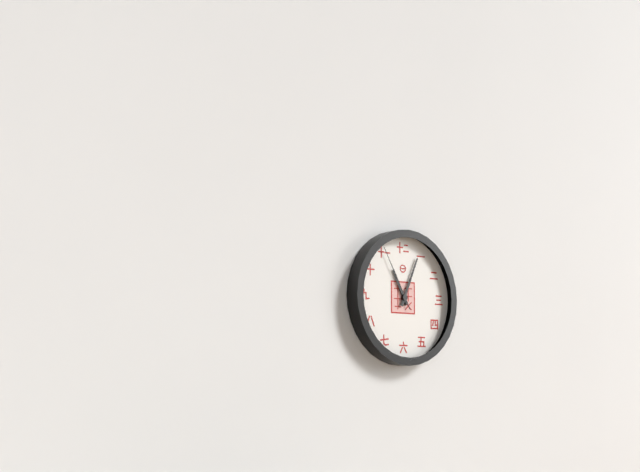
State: 11h04m55s
